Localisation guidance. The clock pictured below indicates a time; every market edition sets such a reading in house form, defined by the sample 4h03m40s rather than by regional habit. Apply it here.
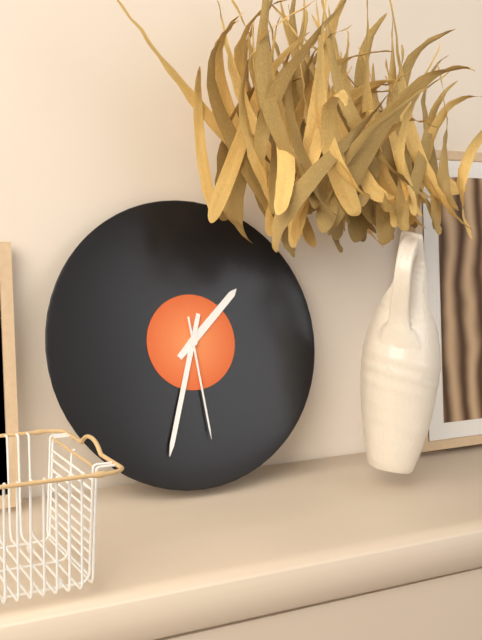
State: 1h33m29s
